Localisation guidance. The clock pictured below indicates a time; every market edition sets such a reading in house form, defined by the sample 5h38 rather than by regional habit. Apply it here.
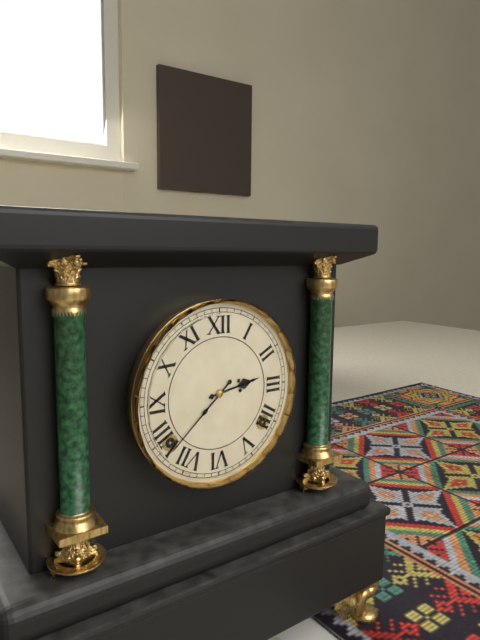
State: 2h38
